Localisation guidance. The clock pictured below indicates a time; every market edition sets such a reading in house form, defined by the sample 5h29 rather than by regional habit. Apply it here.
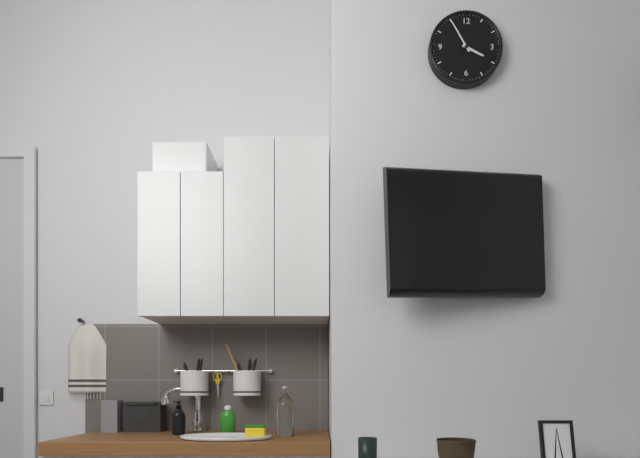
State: 3h55
